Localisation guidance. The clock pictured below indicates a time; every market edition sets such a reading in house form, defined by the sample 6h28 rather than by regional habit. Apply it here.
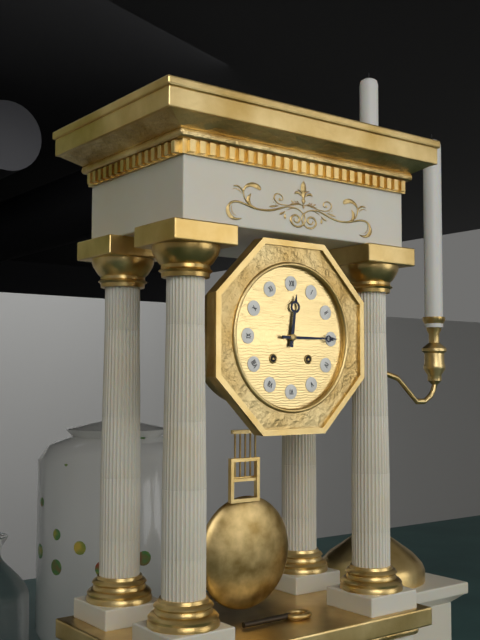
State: 12h15
